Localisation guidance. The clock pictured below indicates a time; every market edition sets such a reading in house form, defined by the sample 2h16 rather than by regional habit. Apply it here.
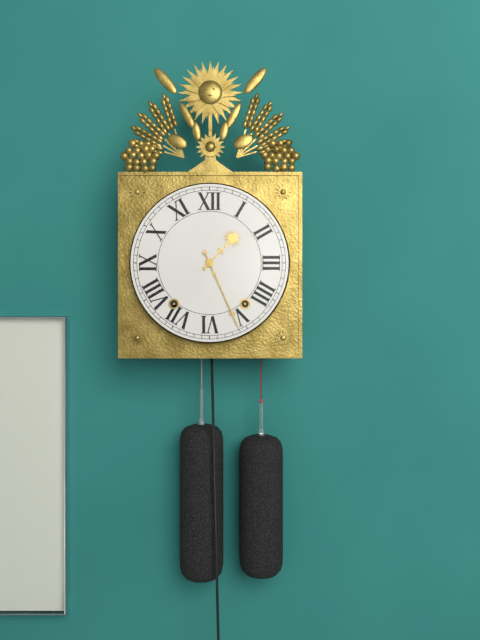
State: 1h26
